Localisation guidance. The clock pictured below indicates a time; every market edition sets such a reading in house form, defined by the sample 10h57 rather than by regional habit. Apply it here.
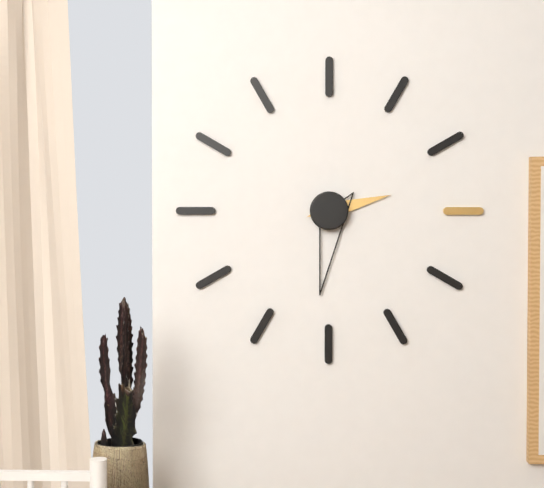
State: 2h31
